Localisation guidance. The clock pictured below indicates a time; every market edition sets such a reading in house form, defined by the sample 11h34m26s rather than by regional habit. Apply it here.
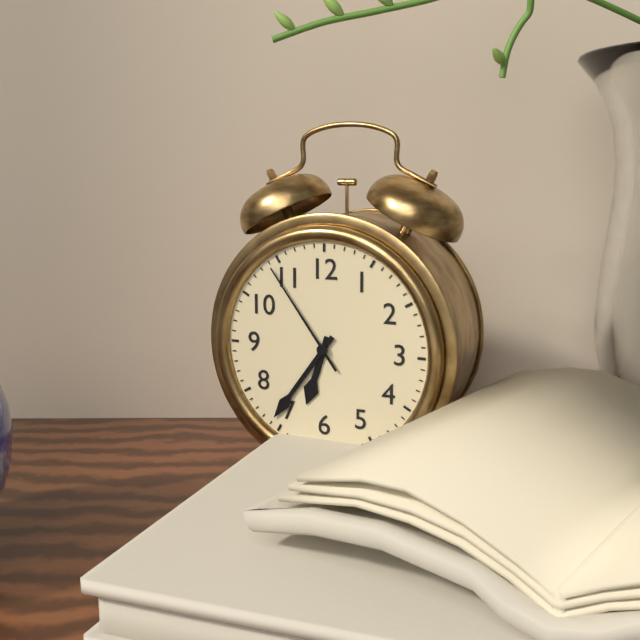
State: 6h36m54s
